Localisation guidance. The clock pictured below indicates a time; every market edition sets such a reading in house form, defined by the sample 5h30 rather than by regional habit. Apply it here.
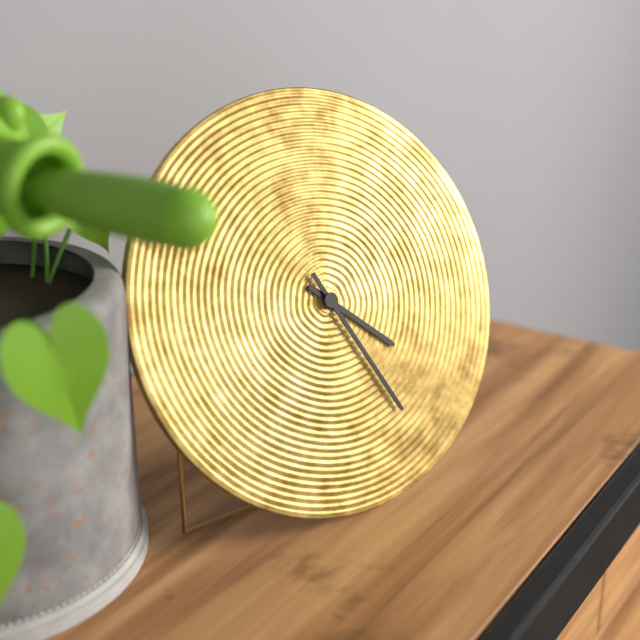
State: 4h26
